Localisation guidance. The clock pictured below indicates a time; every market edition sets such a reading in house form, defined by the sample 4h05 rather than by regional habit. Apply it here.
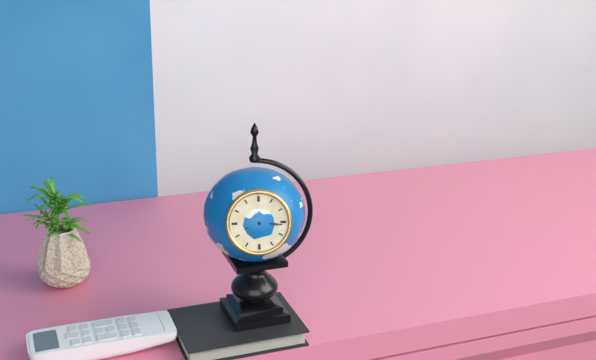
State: 8h16
